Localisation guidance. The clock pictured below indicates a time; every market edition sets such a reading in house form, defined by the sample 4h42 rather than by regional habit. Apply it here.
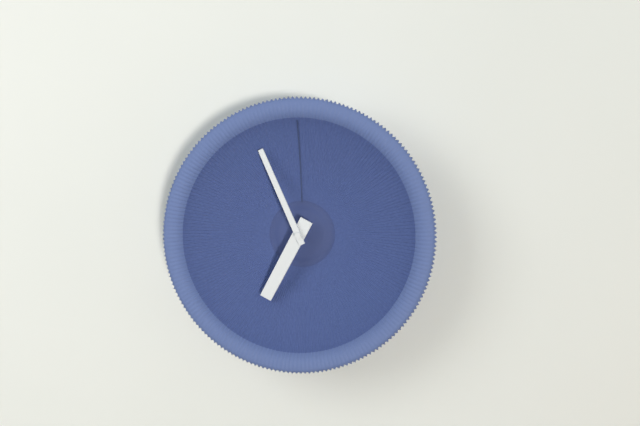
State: 6h56
